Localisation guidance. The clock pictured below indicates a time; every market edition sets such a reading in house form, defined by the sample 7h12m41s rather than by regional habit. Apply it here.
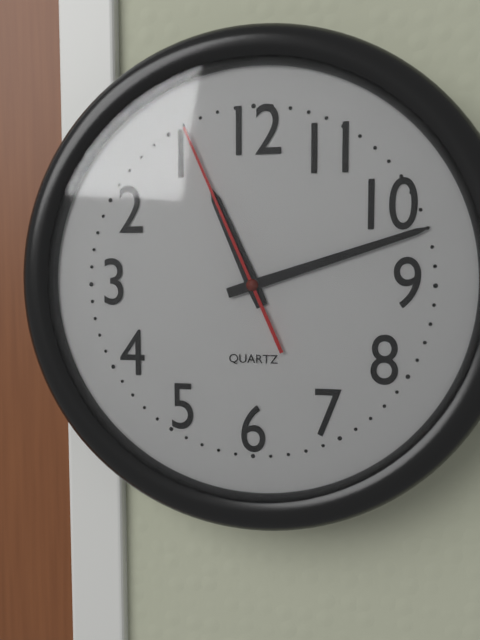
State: 11h12m56s
